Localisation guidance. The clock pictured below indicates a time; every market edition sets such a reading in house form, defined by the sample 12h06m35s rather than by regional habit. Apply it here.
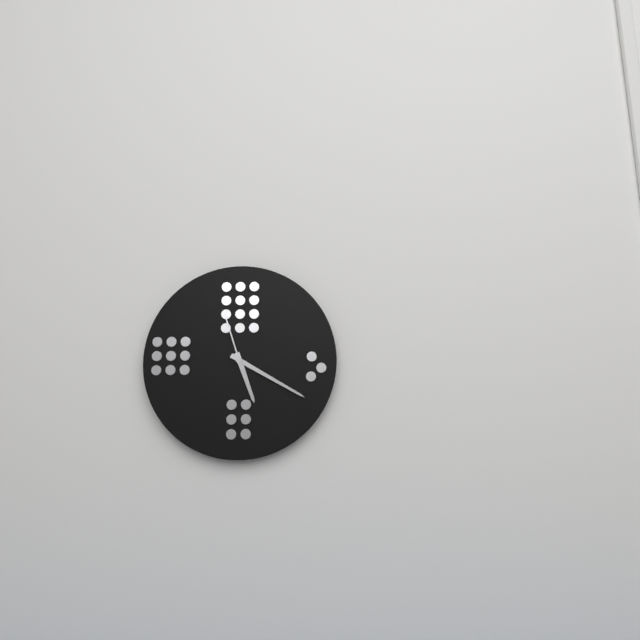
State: 5h20m57s
